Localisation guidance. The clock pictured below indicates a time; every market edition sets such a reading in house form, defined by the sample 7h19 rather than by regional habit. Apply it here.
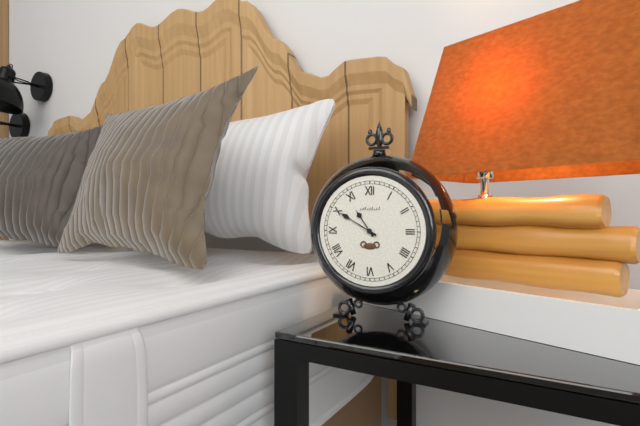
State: 10h50
